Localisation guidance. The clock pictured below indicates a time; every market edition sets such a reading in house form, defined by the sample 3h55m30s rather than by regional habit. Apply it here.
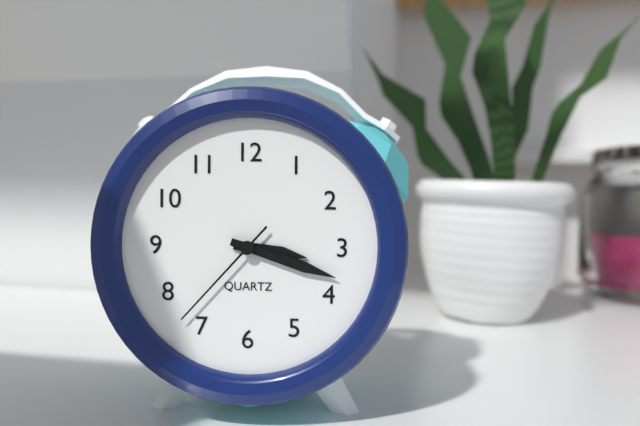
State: 3h18m37s
